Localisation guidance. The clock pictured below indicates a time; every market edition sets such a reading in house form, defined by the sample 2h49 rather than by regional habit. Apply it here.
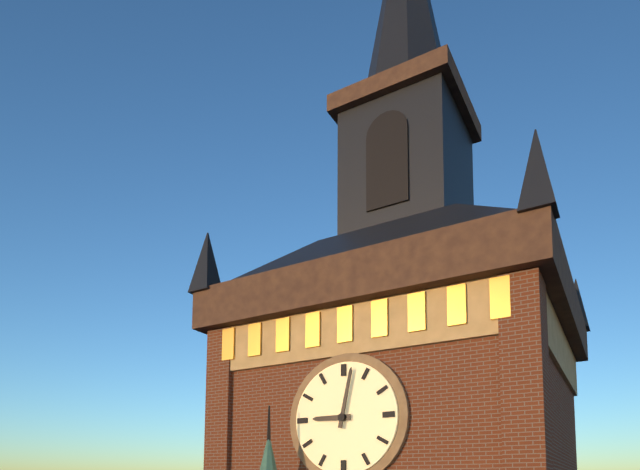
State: 9h02
